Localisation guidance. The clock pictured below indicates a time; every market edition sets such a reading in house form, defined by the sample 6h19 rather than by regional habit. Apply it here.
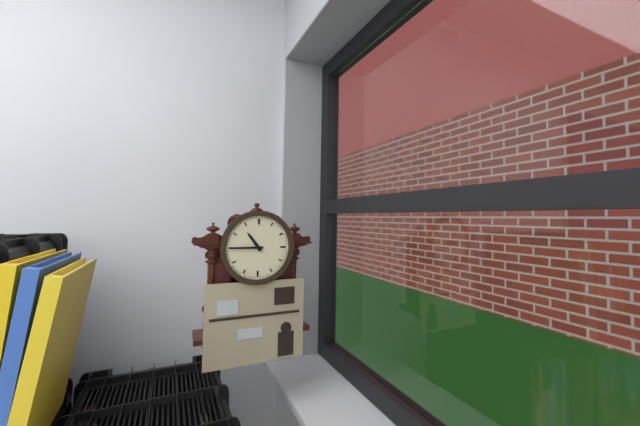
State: 10h45
